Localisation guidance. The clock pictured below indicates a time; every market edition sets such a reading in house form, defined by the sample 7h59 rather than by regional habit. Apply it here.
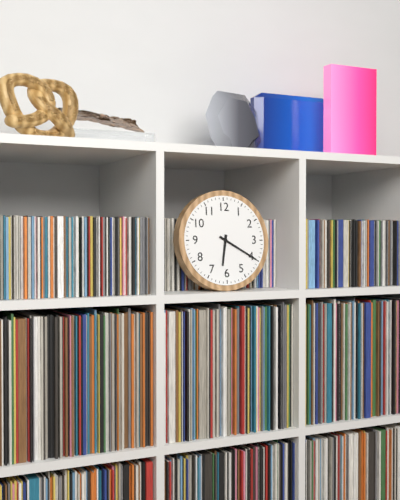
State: 6h20
